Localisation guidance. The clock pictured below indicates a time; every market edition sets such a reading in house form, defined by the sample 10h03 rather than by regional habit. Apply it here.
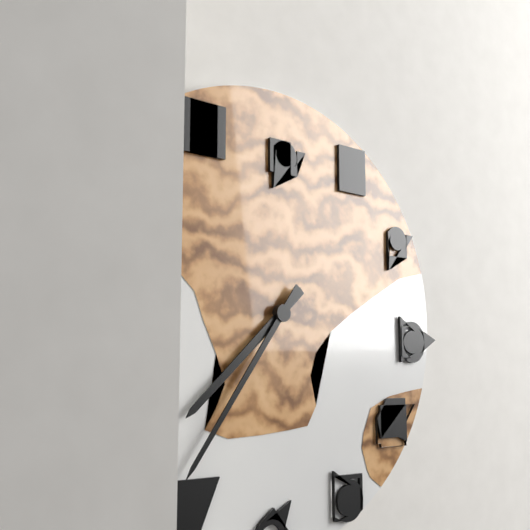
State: 7h36
